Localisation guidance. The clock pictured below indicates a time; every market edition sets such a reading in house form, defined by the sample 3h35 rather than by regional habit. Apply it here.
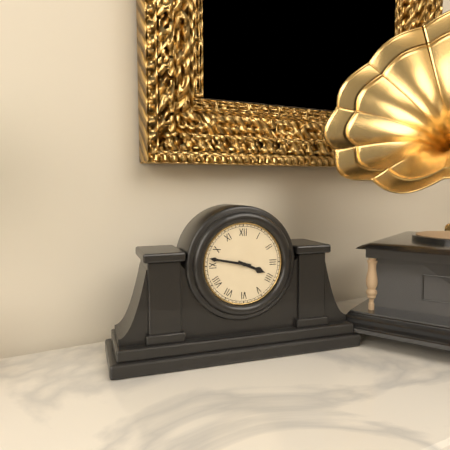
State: 3h47
